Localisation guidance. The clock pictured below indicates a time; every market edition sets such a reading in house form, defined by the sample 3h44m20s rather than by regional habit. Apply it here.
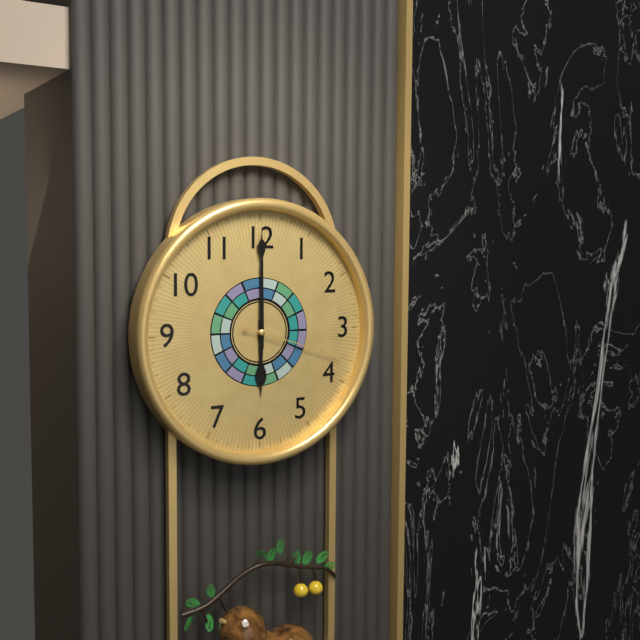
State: 6h00m18s
